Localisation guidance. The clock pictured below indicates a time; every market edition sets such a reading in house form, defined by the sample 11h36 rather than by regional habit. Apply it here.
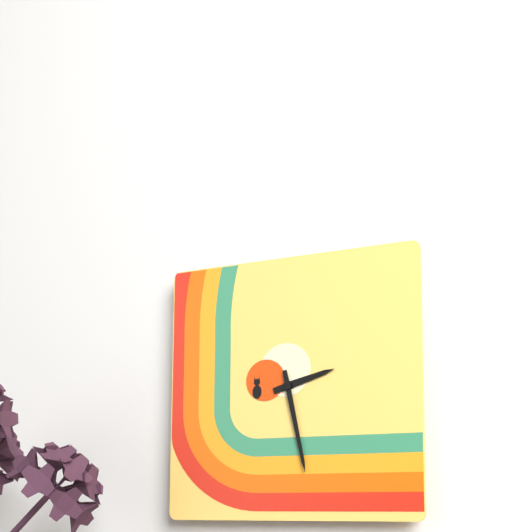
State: 2h28
